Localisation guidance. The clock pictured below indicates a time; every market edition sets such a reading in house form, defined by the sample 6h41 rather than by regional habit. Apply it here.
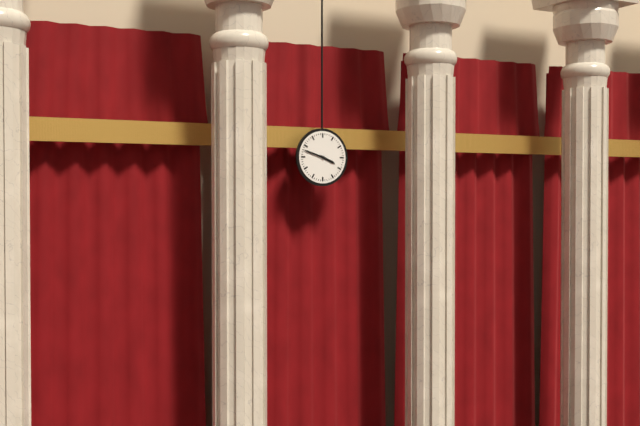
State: 3h48
